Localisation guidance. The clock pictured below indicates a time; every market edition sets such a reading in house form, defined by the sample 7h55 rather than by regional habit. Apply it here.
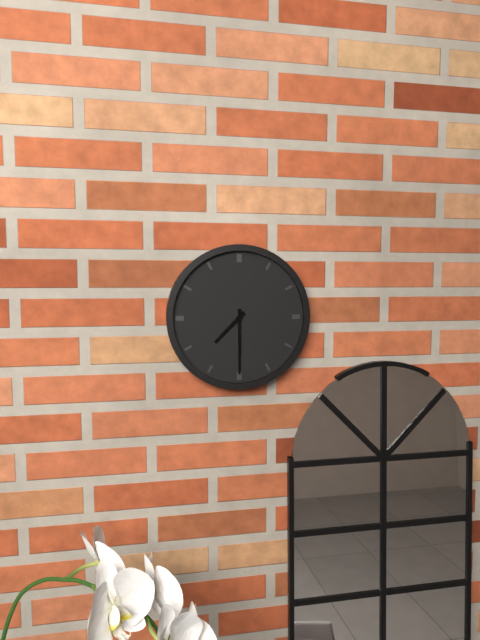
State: 7h30
